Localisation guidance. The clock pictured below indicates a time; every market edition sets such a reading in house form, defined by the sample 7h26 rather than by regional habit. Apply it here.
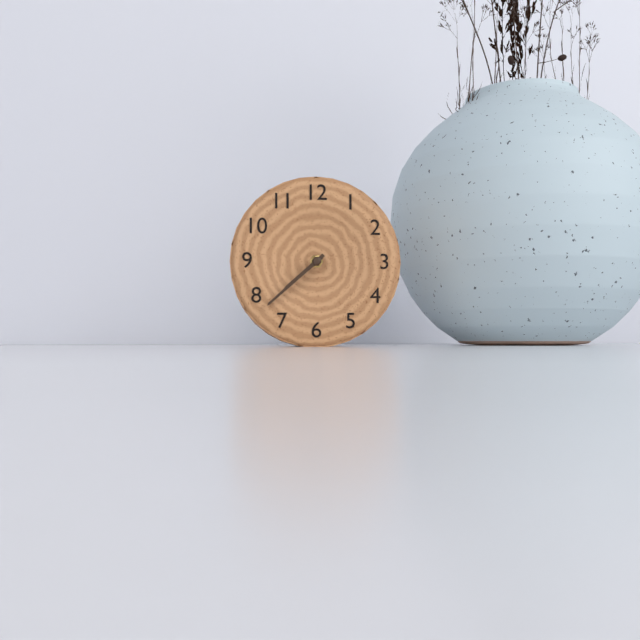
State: 7h38
